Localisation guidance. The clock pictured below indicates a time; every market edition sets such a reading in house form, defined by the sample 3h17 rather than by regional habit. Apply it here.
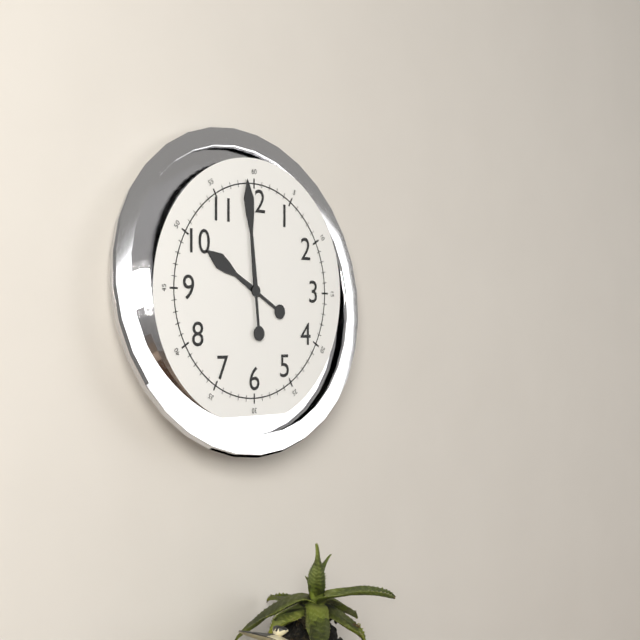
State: 9h59
